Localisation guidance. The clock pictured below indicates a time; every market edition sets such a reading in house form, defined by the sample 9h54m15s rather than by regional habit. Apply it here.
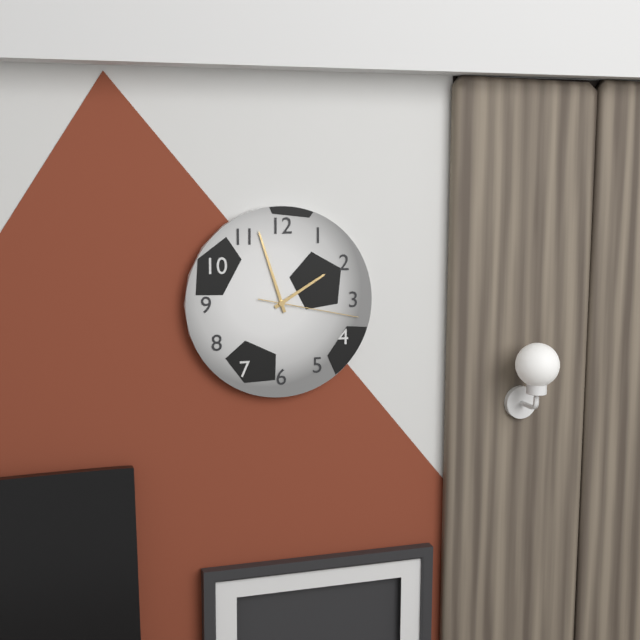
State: 1h57m17s
